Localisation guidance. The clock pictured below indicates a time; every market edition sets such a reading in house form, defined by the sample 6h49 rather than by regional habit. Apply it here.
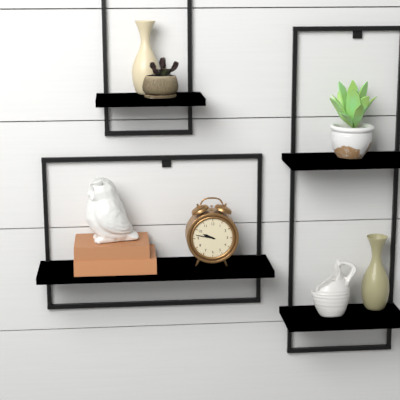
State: 9h47
